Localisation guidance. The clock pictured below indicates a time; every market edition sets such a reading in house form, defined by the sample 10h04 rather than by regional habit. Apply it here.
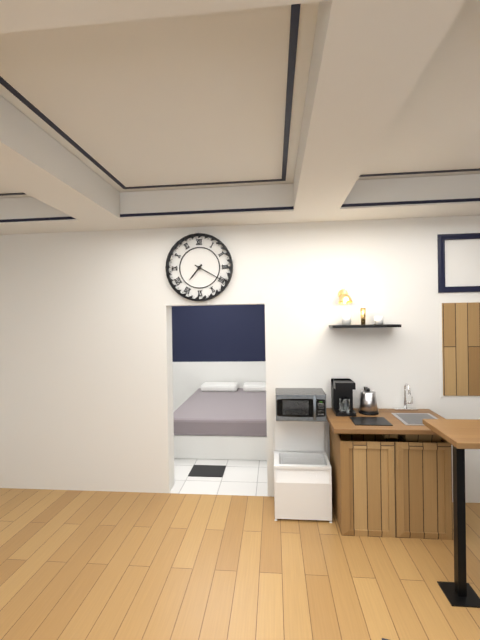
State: 7h20
